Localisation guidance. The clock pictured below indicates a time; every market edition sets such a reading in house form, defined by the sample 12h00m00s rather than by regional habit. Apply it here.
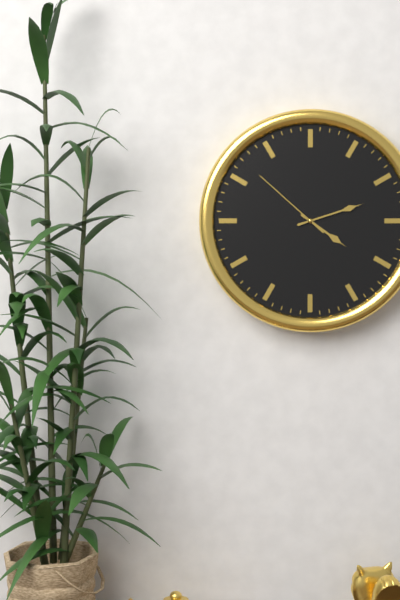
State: 4h12m52s
